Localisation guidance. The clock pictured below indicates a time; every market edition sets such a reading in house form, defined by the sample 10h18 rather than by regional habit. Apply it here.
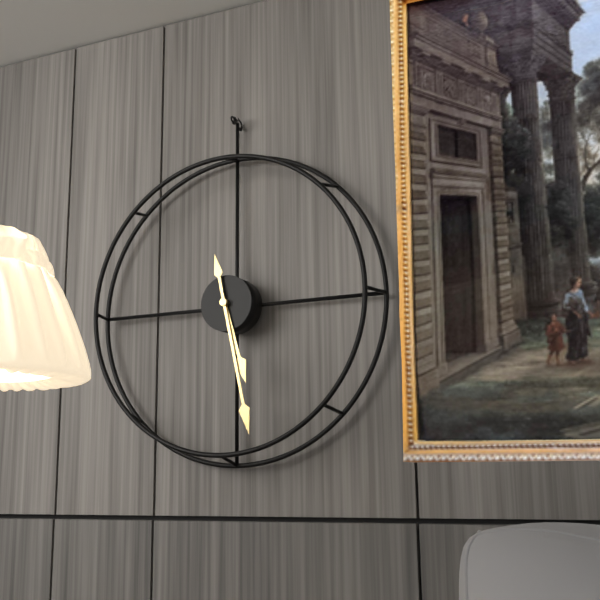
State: 5h28
